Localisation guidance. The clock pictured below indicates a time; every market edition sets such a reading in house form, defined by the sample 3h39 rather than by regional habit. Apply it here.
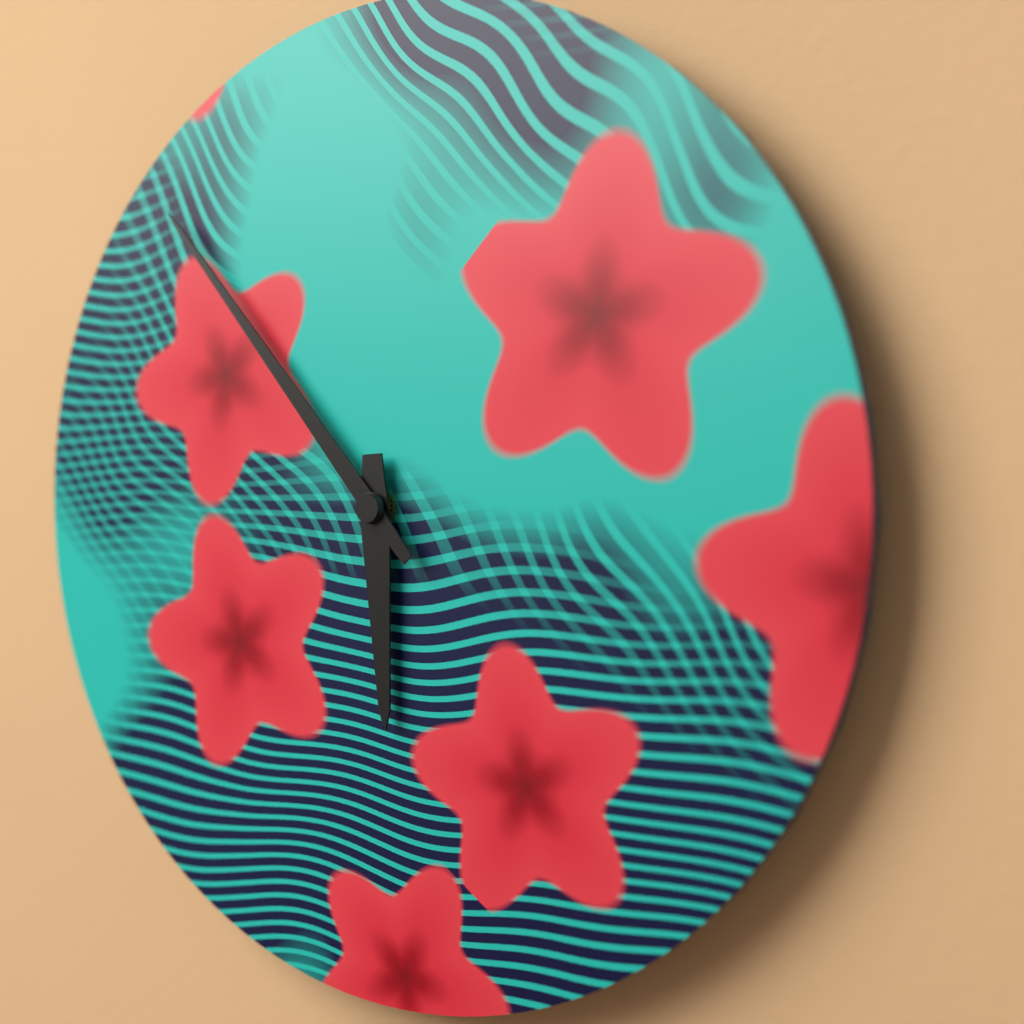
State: 5h53
